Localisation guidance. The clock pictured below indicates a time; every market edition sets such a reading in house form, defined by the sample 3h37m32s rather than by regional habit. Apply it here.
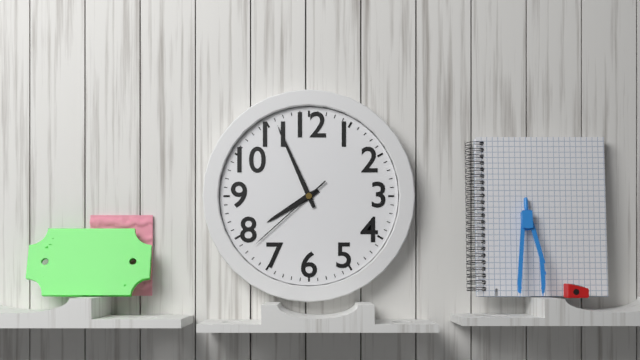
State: 7h56m38s
